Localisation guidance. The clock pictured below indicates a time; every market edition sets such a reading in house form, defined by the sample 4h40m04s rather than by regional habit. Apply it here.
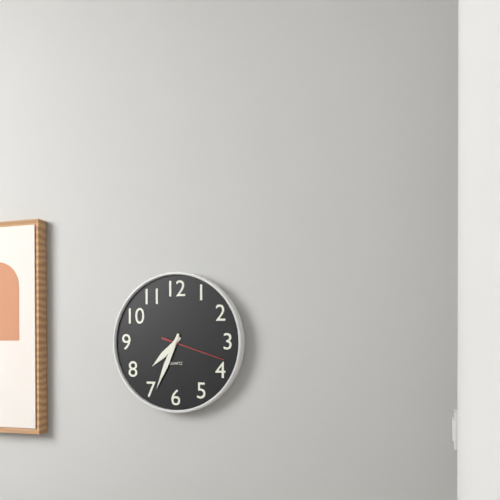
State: 7h34m18s
